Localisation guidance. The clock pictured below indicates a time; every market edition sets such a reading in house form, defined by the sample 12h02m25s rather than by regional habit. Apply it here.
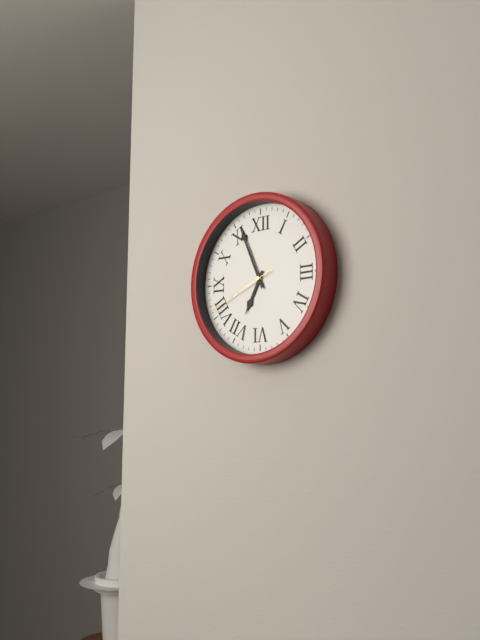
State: 6h56m41s
